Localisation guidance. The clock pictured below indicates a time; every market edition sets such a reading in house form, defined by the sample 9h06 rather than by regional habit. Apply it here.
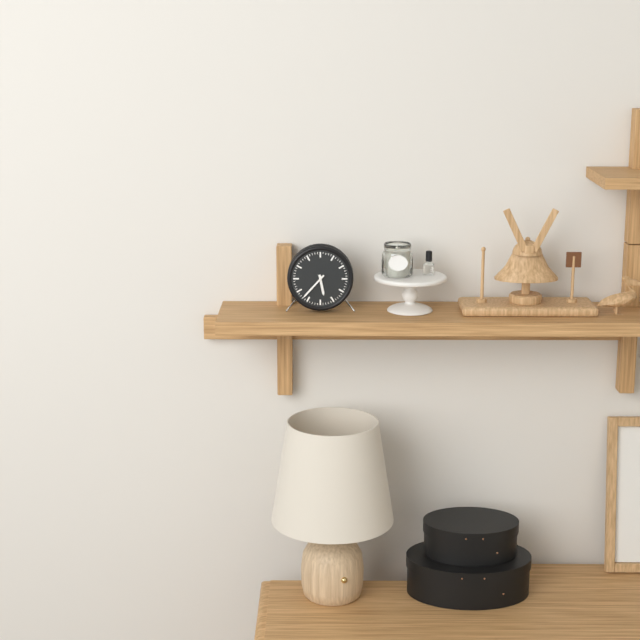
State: 5h37
